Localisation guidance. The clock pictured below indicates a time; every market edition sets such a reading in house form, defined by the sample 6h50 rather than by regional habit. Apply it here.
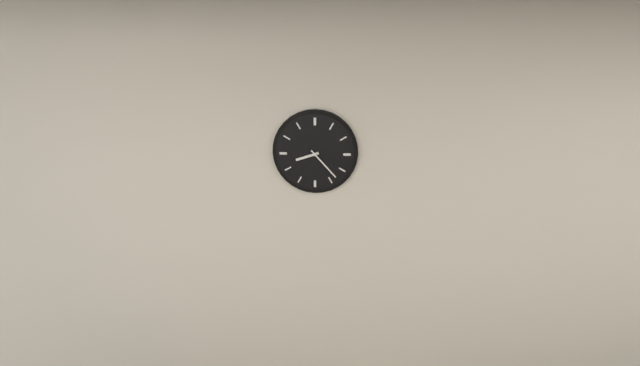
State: 8h23
